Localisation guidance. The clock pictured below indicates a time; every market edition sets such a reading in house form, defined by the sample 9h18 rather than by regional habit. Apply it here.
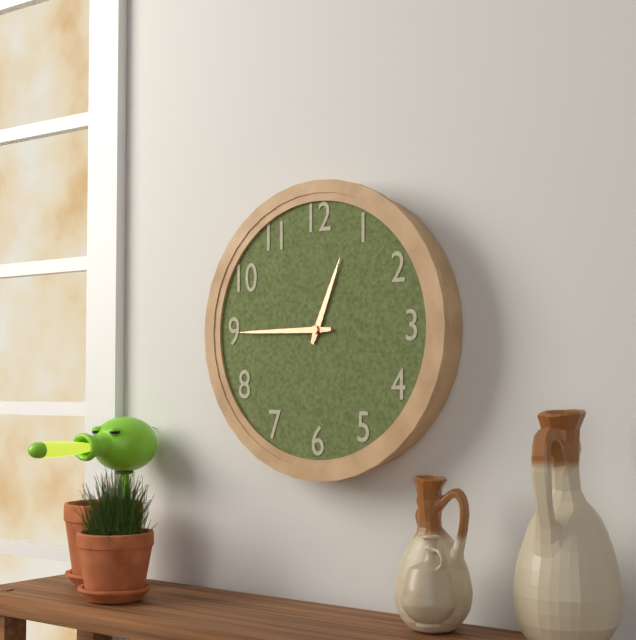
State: 12h45
